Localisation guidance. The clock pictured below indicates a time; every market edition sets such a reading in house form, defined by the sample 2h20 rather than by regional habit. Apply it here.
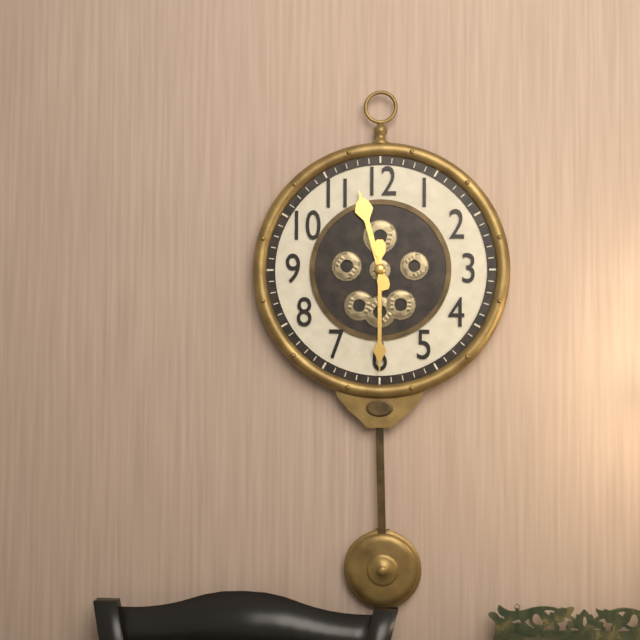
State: 11h30
